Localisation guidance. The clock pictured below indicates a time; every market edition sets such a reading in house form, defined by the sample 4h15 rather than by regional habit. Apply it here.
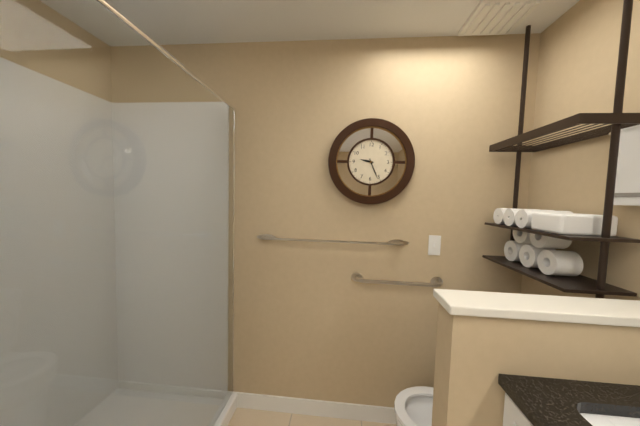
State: 9h26
